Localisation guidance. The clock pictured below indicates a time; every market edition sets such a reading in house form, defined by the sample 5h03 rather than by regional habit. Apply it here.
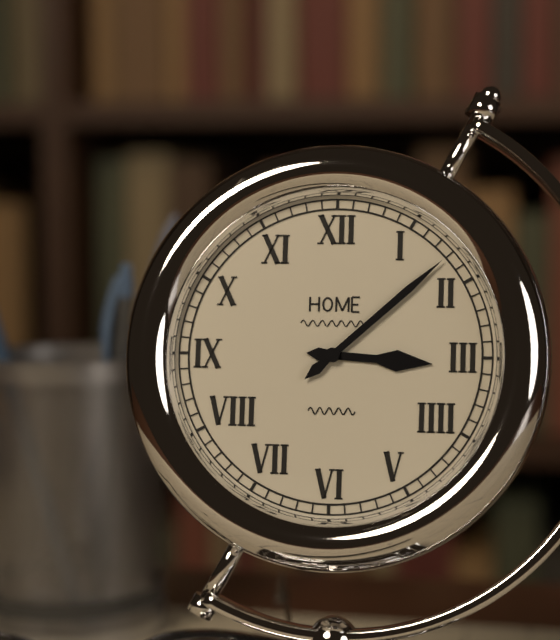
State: 3h08
